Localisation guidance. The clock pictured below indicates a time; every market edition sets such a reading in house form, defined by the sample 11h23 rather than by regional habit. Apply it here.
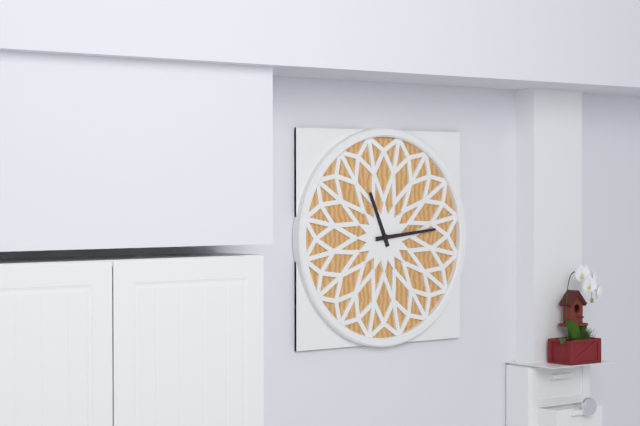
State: 11h14
